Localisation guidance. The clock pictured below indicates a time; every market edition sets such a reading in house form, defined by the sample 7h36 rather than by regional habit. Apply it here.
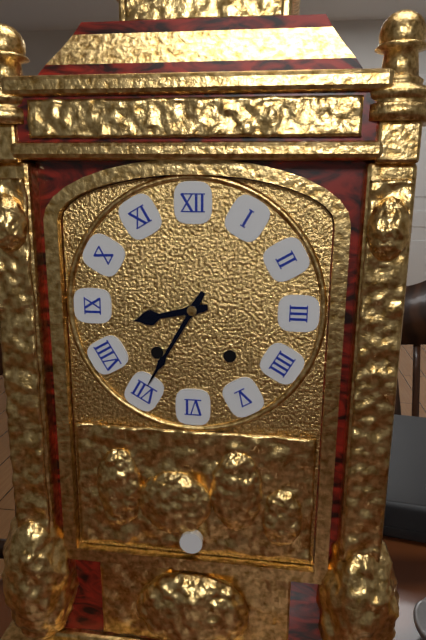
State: 8h35
